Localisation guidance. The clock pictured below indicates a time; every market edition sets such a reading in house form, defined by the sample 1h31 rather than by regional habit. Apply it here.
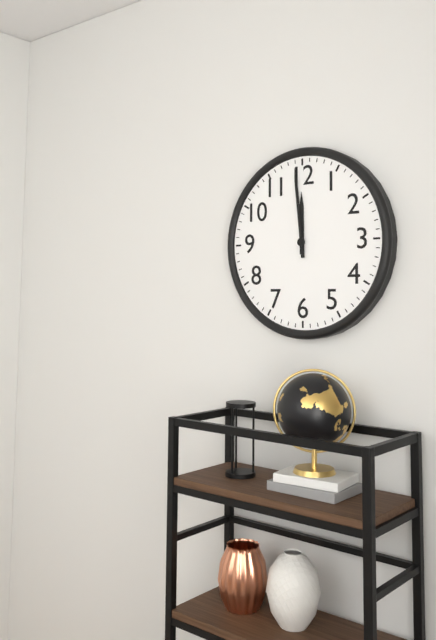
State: 11h59
